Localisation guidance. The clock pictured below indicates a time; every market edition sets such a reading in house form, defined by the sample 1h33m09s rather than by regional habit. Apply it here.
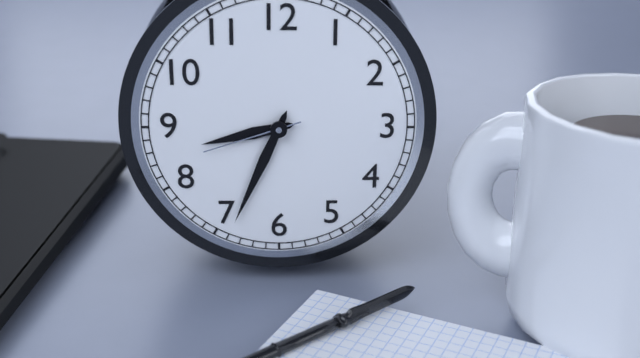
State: 8h34m42s
